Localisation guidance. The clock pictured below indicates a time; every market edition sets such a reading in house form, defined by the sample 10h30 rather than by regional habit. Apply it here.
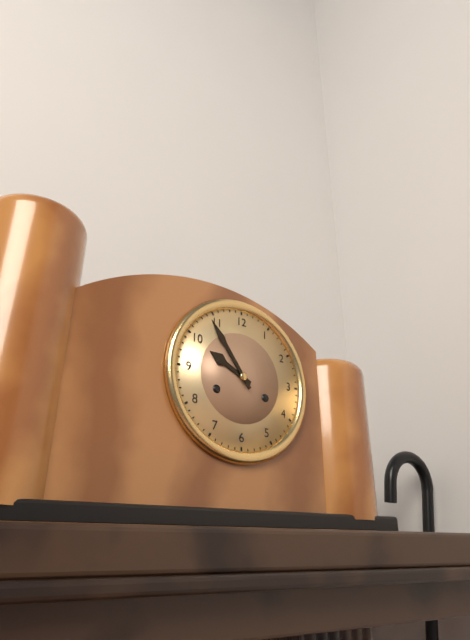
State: 9h54
